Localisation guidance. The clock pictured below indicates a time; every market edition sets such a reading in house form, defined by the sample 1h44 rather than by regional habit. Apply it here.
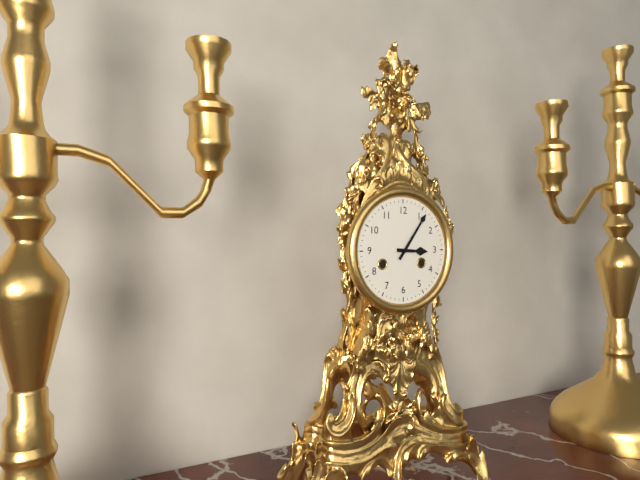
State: 3h06
